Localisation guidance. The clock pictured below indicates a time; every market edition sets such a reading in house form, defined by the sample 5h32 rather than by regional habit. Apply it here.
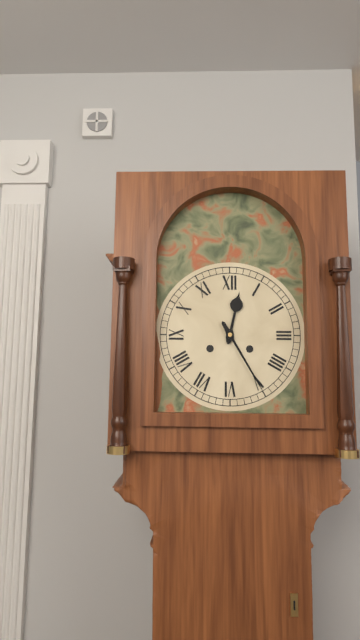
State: 12h25
